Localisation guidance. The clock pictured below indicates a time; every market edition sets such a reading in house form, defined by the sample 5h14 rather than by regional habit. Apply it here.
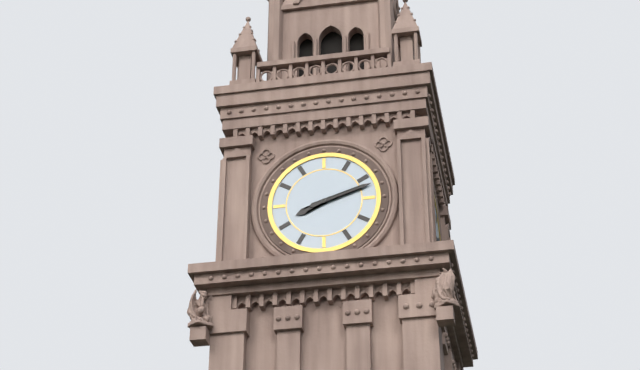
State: 8h12
